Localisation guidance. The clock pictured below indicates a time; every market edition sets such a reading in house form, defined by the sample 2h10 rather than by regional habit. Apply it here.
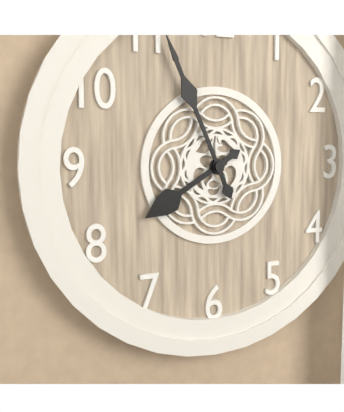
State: 7h56
